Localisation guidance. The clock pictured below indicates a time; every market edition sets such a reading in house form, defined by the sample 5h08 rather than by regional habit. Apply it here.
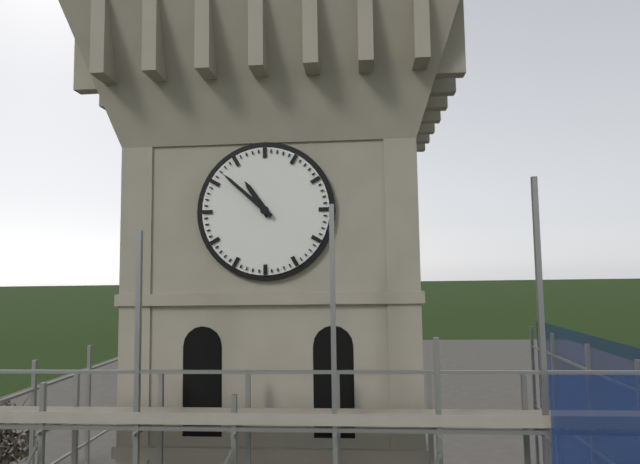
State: 10h52
